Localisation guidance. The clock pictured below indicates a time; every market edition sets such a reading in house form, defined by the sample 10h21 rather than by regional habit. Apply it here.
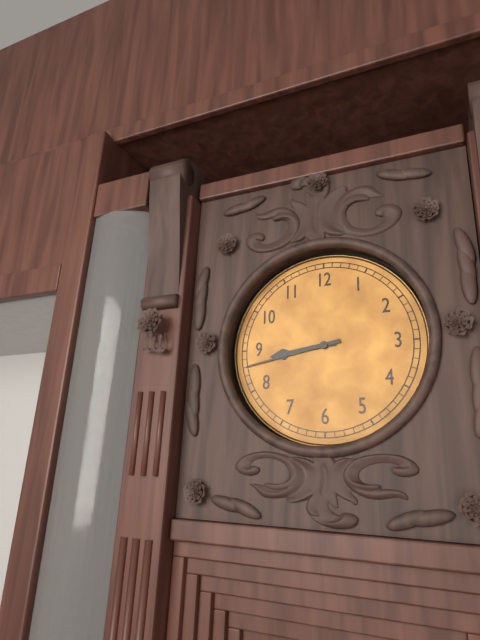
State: 8h43
